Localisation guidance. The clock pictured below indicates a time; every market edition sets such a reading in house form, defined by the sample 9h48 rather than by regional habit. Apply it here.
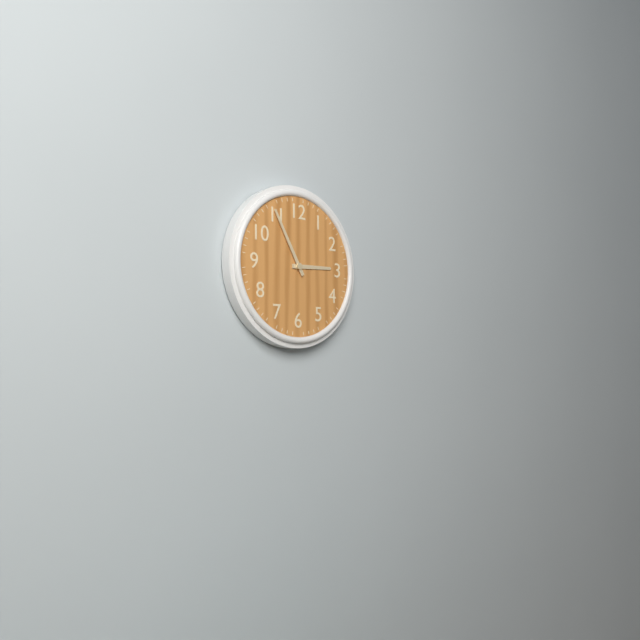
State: 2h55
